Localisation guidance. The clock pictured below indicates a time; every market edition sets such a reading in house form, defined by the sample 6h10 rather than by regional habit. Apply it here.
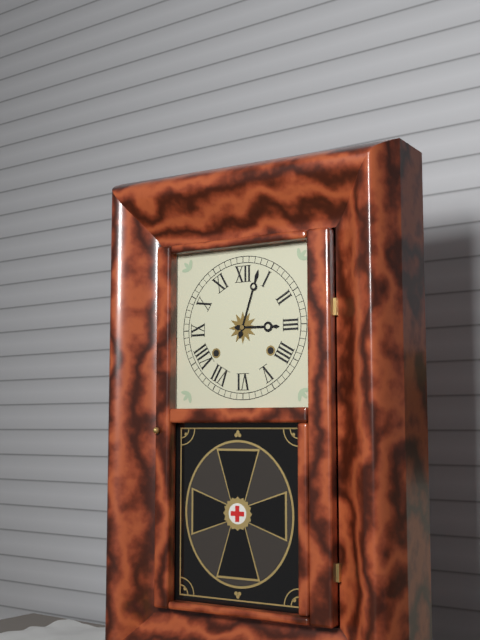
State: 3h03
